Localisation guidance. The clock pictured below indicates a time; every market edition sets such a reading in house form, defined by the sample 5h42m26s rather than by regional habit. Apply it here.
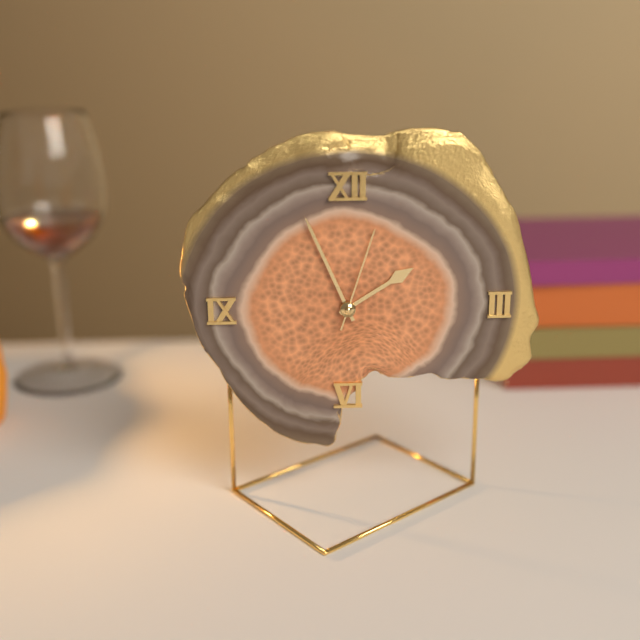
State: 1h56m03s
